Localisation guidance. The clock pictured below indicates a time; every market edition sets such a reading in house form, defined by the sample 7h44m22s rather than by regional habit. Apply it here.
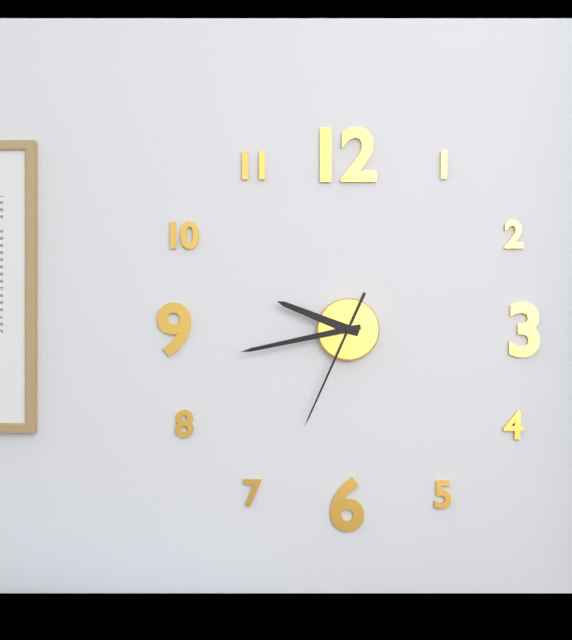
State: 9h43m34s
